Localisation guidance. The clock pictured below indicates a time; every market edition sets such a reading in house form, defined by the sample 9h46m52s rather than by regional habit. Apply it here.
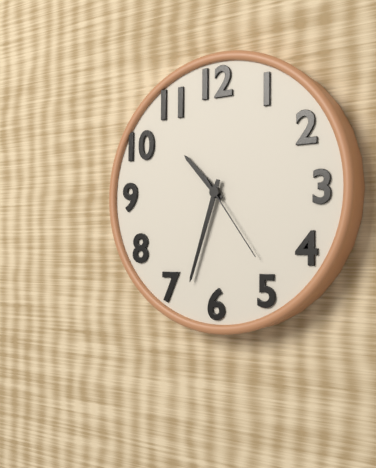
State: 10h33m24s
